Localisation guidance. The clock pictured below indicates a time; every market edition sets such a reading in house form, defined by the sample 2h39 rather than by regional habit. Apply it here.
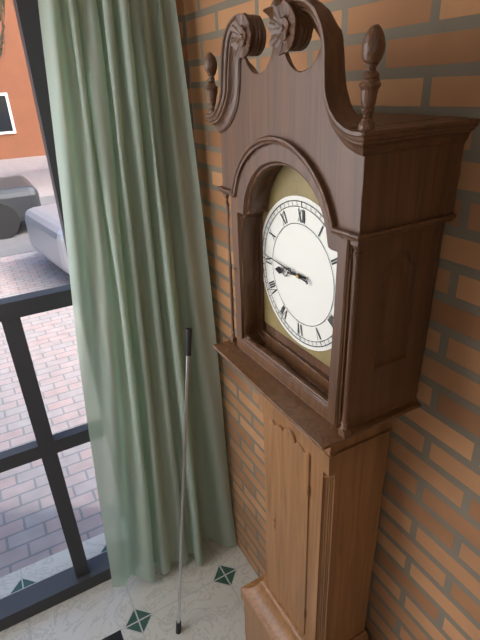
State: 8h46
